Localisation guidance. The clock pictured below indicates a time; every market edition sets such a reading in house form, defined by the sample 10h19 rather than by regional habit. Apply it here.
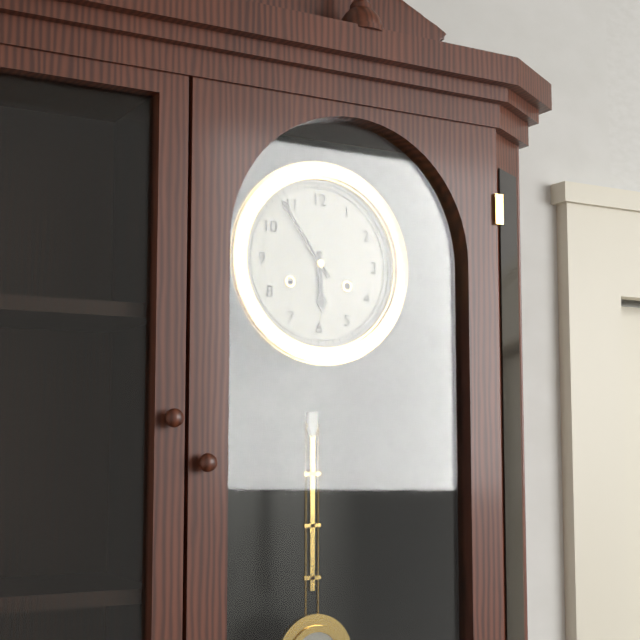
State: 5h54
